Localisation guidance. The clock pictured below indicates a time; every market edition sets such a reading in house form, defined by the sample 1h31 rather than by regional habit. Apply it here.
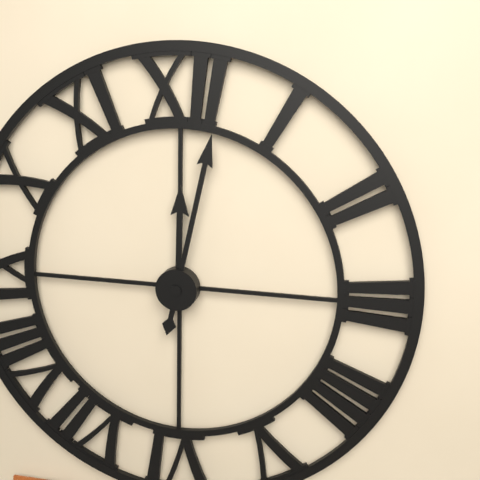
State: 12h02
